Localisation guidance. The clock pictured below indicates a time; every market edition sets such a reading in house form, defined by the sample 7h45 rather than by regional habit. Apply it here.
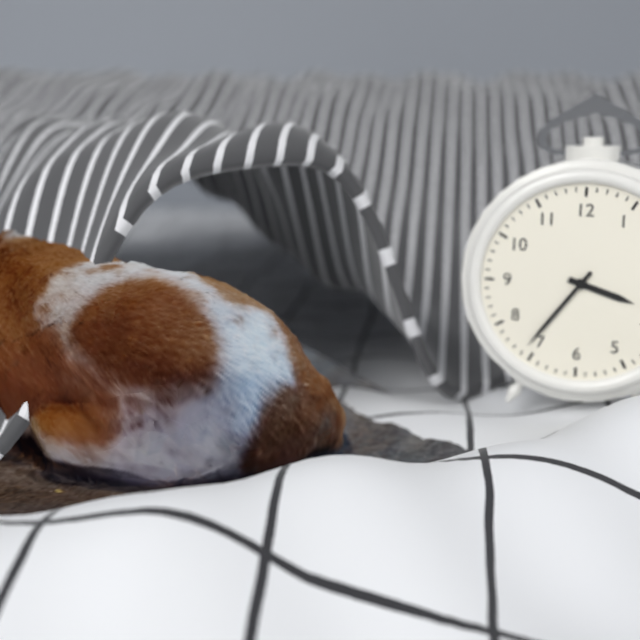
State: 3h36
